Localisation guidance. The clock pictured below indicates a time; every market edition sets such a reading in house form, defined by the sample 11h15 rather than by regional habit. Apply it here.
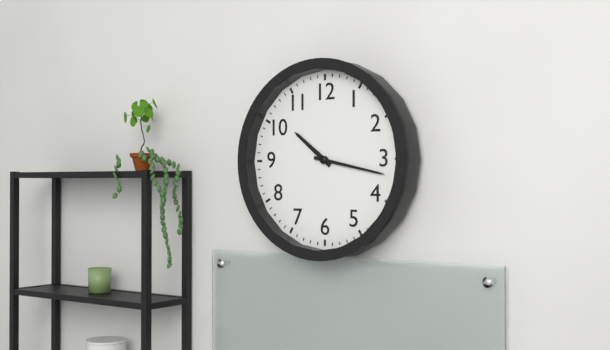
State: 10h17
